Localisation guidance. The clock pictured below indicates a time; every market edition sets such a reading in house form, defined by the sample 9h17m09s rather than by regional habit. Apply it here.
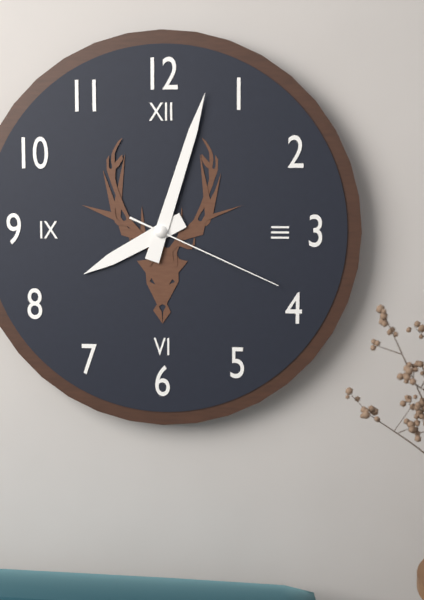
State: 8h03m19s
